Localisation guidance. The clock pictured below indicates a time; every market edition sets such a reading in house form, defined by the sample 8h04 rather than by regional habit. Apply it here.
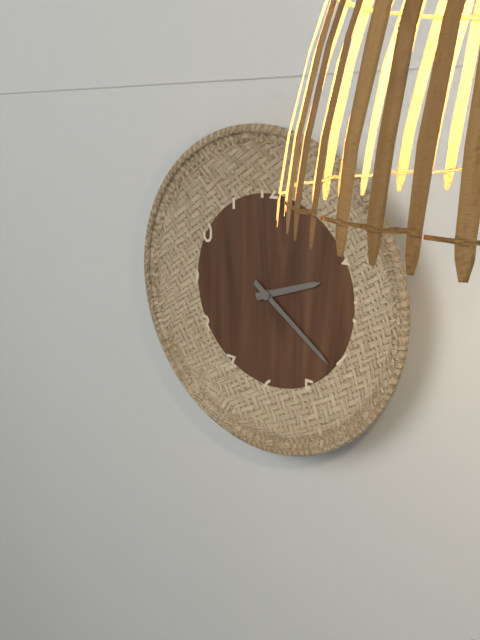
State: 2h21
